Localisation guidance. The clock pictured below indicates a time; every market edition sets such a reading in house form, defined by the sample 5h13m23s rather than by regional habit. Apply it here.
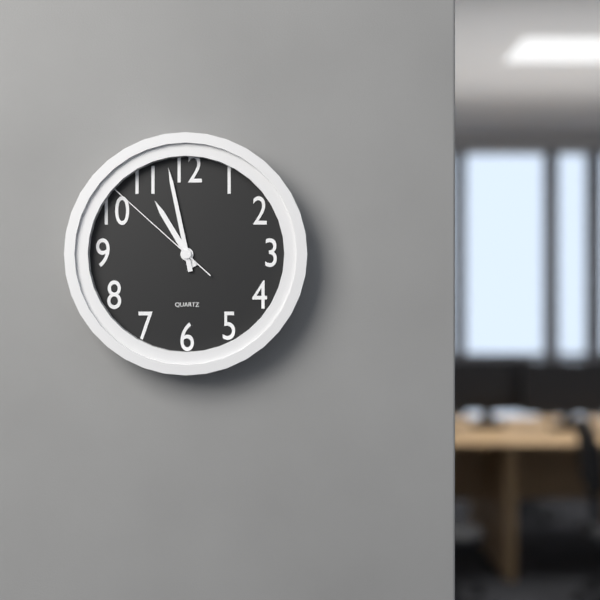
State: 10h58m52s
